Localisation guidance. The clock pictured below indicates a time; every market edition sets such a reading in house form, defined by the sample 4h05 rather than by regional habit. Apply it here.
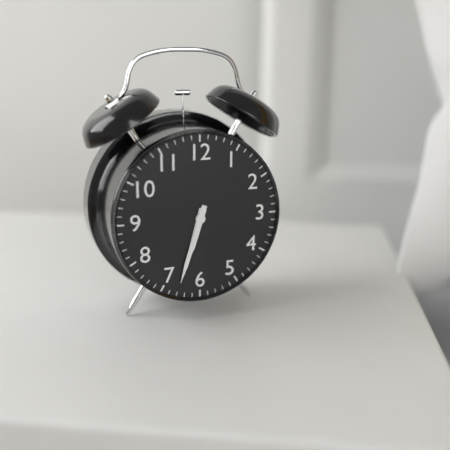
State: 6h33
